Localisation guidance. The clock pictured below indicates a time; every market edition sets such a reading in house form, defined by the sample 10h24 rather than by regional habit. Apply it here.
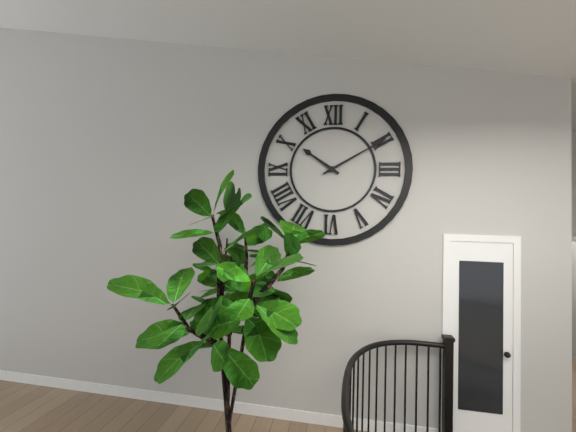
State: 10h10
